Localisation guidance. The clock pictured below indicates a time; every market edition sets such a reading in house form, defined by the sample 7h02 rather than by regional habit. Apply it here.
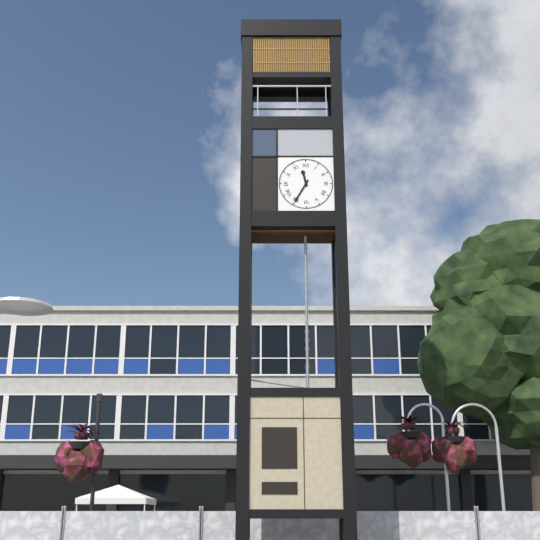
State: 11h35
